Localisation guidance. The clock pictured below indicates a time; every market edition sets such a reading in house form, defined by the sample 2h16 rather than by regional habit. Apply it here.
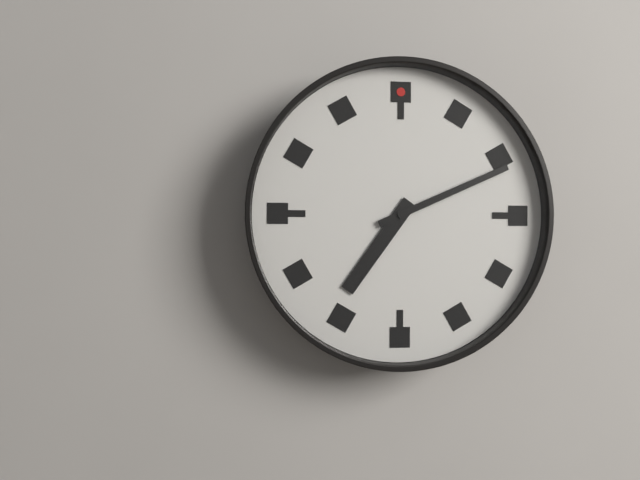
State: 7h11
